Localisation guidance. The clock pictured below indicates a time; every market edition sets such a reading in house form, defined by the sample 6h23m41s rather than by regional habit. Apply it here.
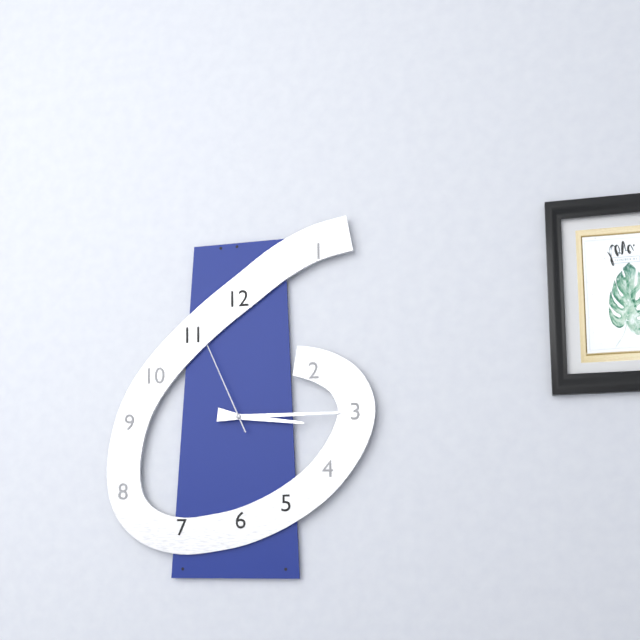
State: 3h15m56s
